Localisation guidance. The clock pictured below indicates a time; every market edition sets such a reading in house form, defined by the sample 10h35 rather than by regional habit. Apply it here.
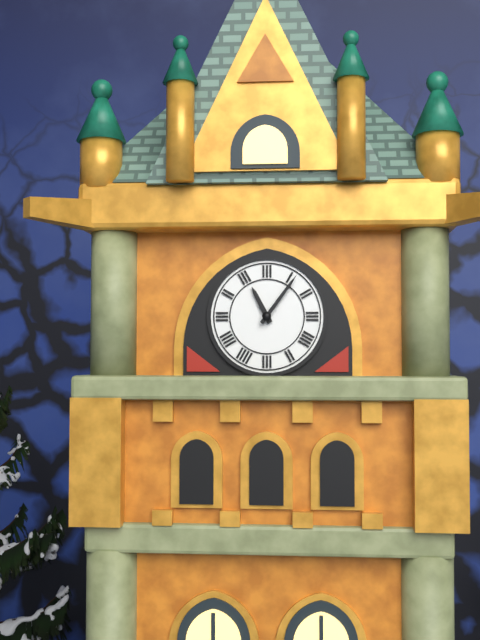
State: 11h06
